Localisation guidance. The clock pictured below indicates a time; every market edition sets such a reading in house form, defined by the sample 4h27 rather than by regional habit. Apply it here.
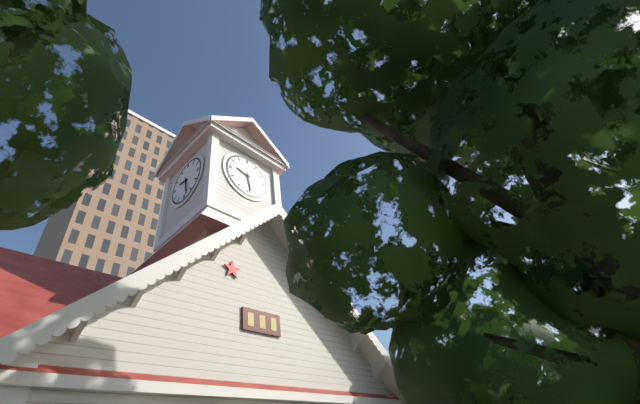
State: 9h28
